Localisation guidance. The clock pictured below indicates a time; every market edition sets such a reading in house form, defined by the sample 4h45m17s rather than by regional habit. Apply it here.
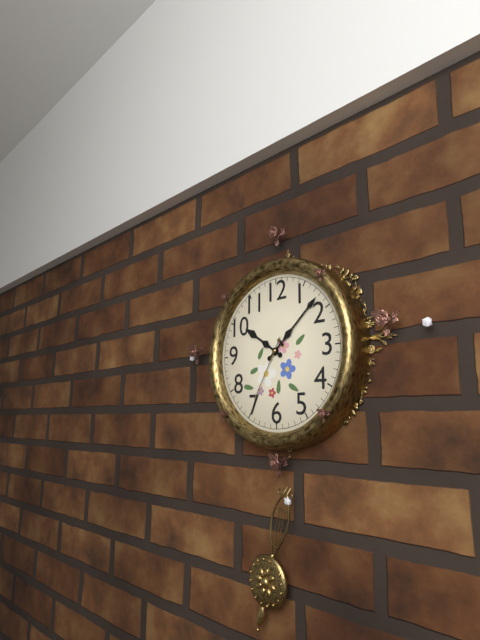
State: 10h08m35s
